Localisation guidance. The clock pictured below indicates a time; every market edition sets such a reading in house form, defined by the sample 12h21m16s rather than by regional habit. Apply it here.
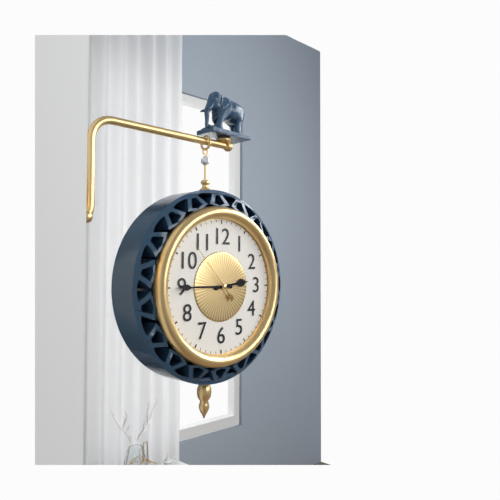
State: 2h45m53s
